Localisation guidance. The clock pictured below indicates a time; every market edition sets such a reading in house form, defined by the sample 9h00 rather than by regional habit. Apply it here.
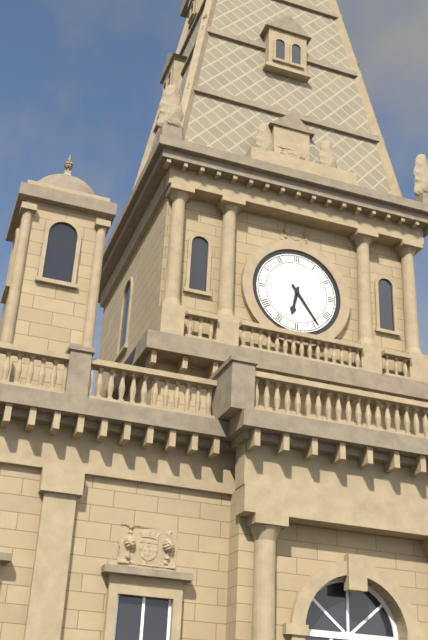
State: 6h24
